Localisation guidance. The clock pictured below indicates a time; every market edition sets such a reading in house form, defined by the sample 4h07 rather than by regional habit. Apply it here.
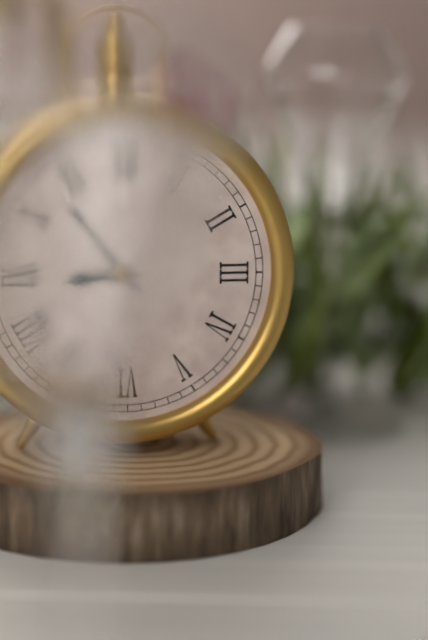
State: 8h53
